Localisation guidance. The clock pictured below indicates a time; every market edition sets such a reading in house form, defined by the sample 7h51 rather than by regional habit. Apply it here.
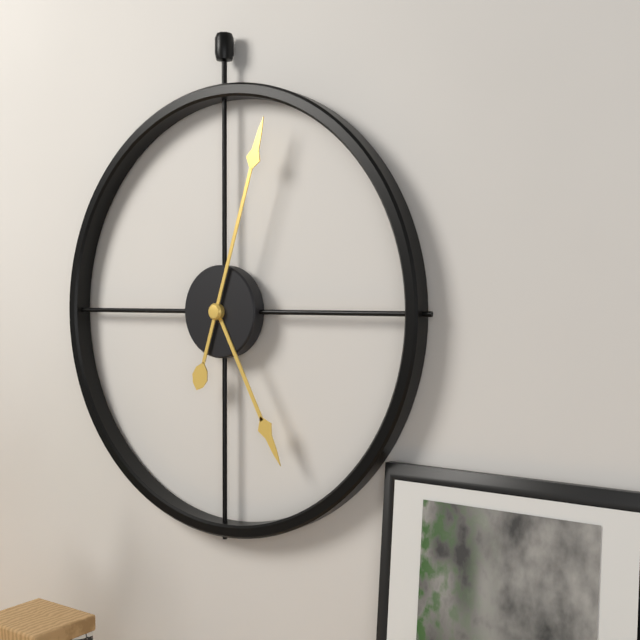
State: 5h03
